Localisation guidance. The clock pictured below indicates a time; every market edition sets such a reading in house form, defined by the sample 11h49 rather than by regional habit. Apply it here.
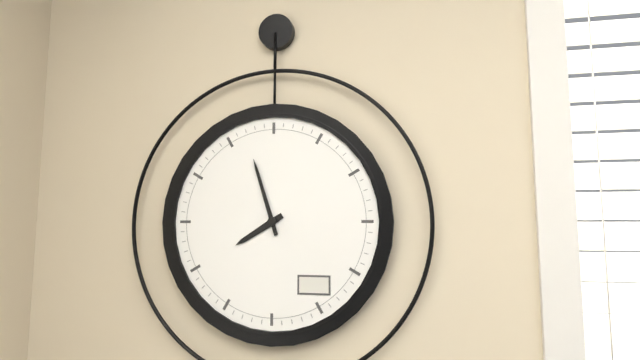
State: 7h57
